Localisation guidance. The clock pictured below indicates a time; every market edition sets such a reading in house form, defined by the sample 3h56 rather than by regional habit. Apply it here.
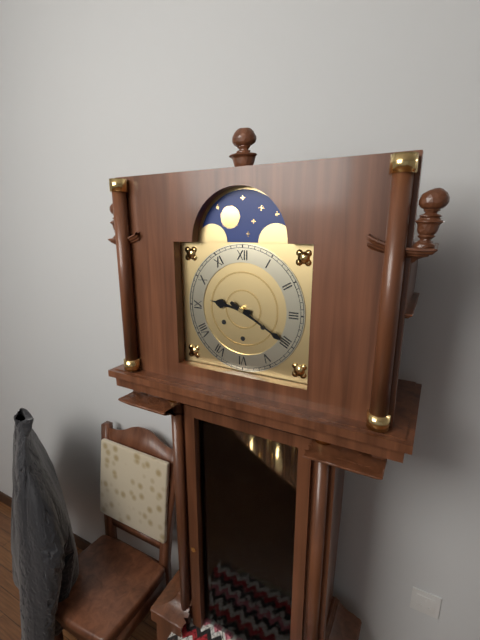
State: 9h20
